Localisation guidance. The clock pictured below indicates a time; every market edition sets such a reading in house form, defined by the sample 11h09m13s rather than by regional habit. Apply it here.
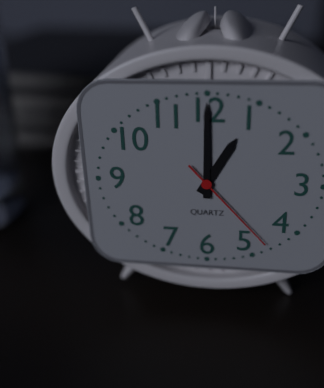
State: 1h00m23s
